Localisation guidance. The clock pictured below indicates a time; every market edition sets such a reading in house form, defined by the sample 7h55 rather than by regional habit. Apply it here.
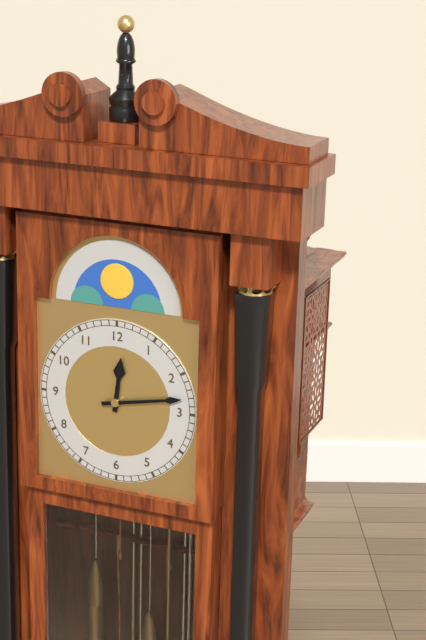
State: 12h13
